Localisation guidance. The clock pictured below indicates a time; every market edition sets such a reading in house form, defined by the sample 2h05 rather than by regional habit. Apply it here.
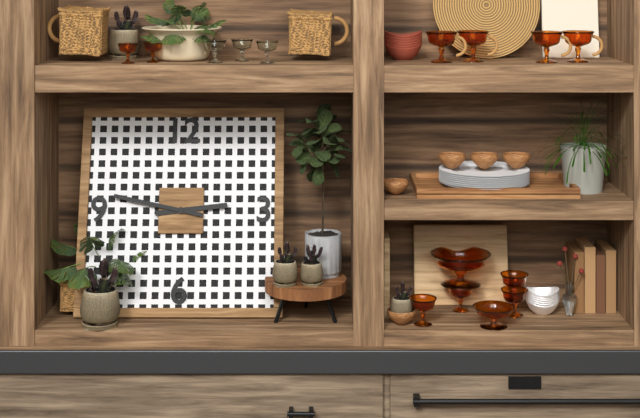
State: 2h47
